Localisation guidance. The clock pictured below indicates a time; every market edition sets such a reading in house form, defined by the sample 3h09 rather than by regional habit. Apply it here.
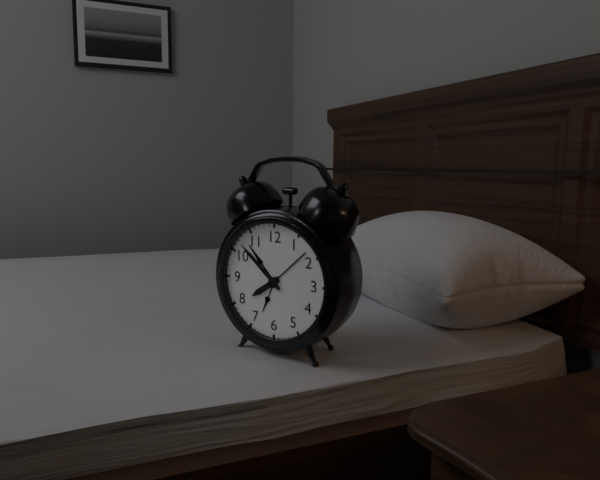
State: 7h52
